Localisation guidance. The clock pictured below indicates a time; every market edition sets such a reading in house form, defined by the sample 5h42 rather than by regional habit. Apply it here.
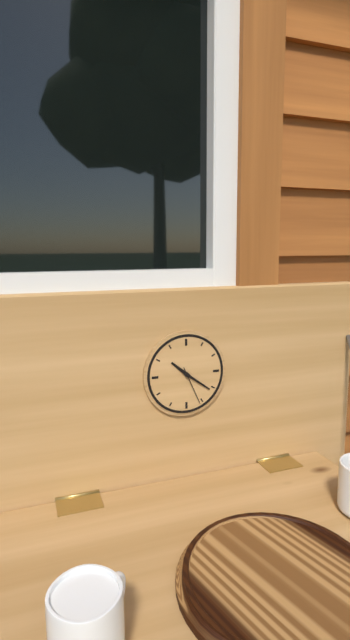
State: 10h21
